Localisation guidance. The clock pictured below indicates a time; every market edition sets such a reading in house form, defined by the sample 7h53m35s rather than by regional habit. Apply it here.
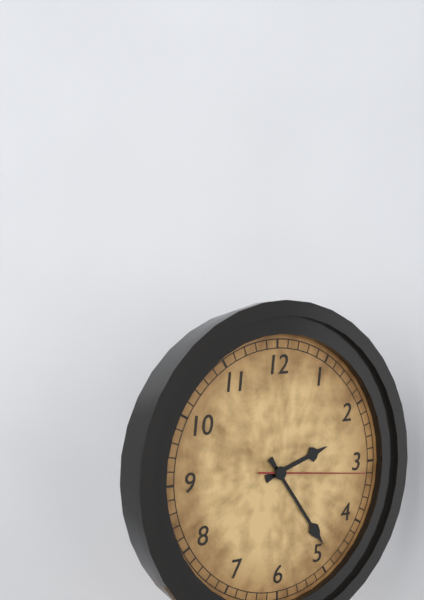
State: 2h24m16s
